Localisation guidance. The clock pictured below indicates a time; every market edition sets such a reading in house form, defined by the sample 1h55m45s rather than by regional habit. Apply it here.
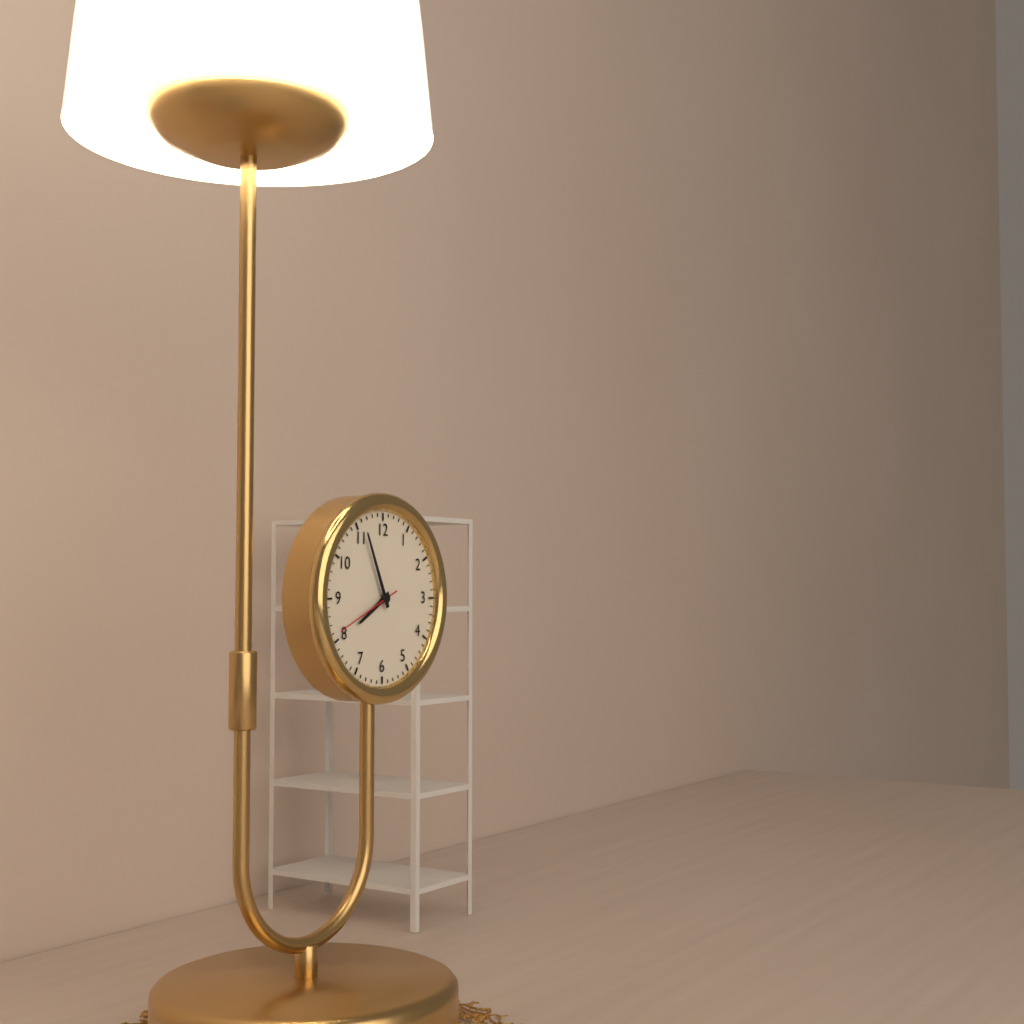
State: 7h56m41s
